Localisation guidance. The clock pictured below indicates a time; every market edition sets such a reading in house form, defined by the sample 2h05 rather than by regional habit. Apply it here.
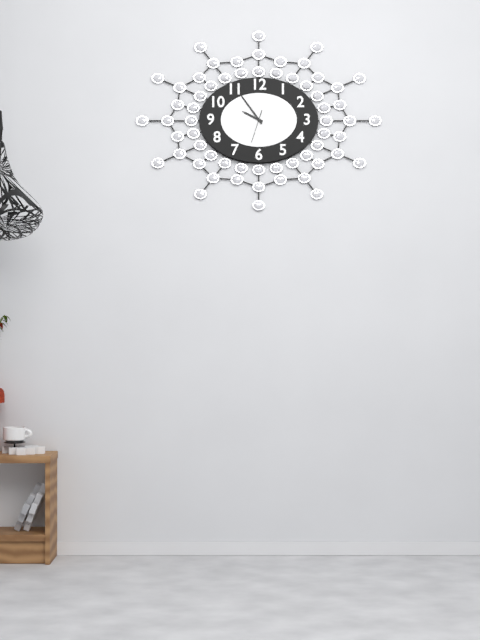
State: 9h54
